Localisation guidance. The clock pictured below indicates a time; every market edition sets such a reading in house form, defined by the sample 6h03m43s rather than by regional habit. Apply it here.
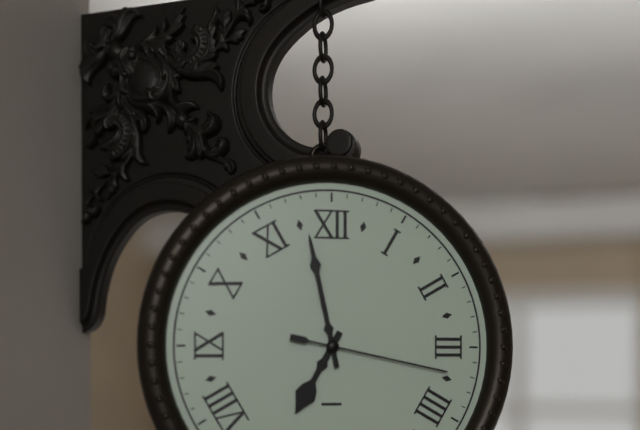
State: 6h58m17s
